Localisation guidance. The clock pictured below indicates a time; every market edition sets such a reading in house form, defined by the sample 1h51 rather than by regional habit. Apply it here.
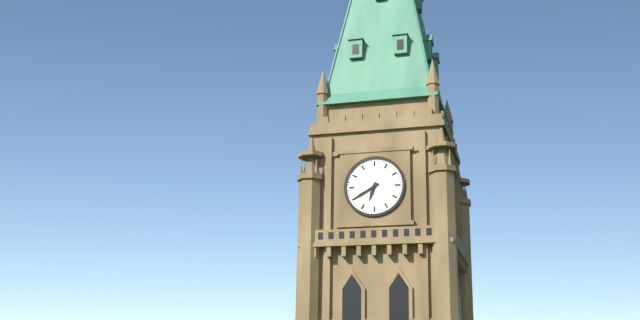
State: 6h40
